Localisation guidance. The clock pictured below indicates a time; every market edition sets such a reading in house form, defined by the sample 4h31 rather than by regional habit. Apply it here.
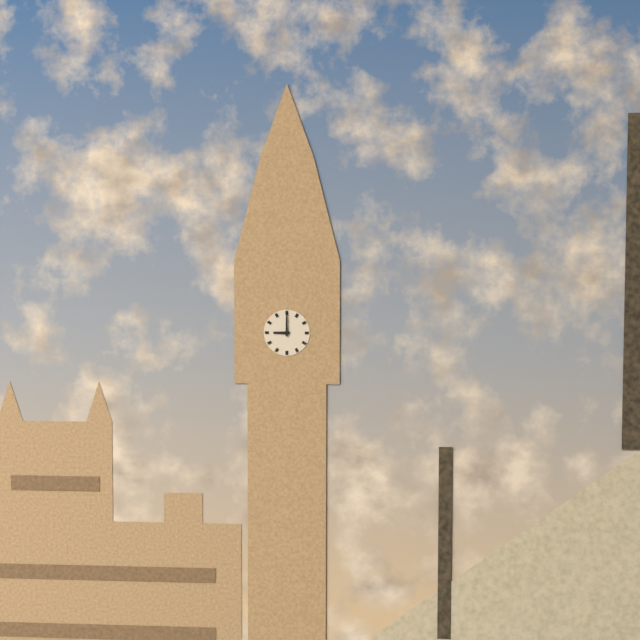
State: 9h00
